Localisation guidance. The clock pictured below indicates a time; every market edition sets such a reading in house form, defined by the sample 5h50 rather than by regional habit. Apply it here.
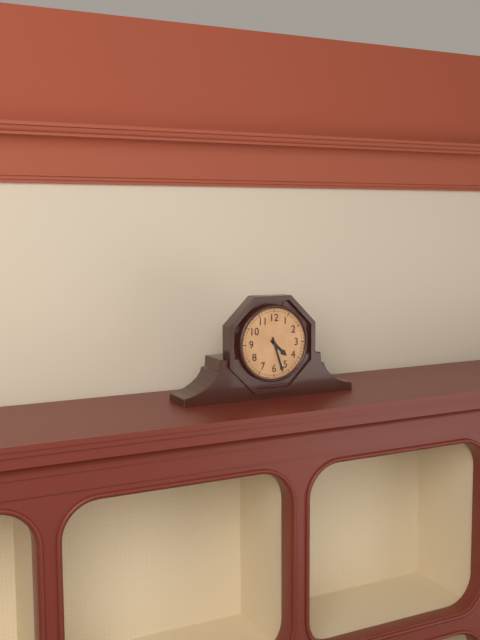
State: 4h27
